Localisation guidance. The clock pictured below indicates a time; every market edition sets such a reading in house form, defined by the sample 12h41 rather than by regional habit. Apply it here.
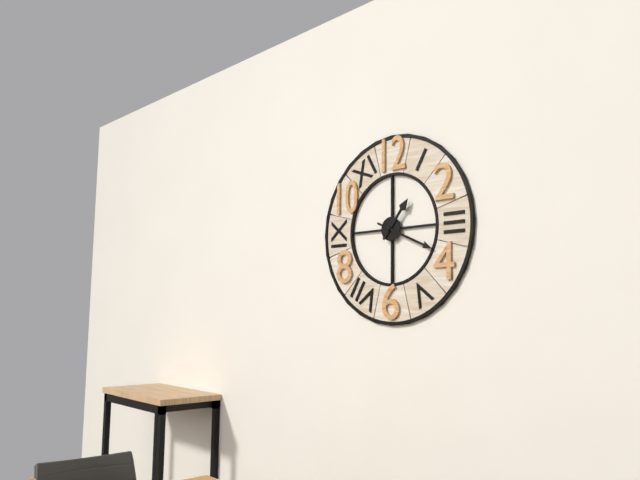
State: 1h19
